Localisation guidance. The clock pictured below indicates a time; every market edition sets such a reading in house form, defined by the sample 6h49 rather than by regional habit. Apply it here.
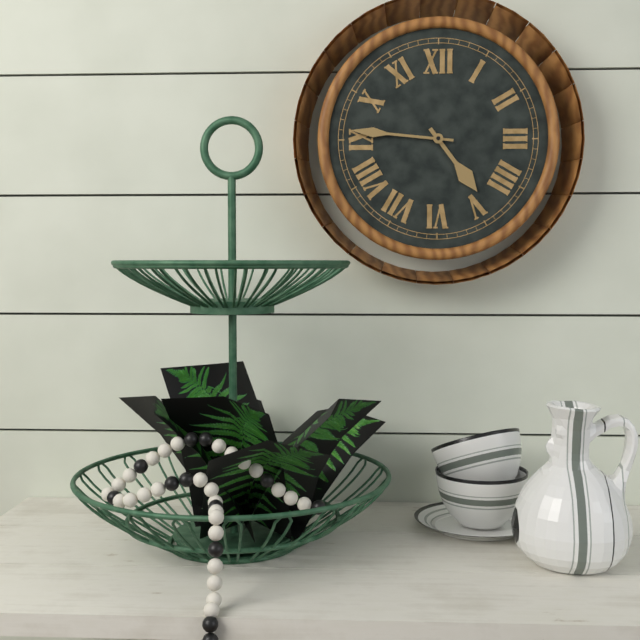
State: 4h46
